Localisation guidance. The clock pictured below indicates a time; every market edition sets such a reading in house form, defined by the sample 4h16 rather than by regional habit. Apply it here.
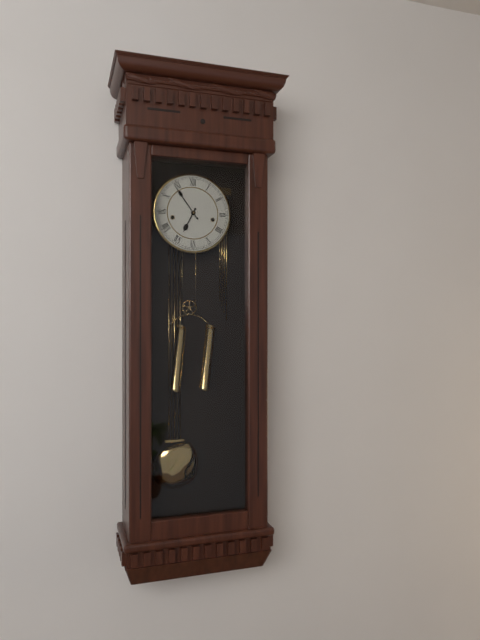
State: 6h54
